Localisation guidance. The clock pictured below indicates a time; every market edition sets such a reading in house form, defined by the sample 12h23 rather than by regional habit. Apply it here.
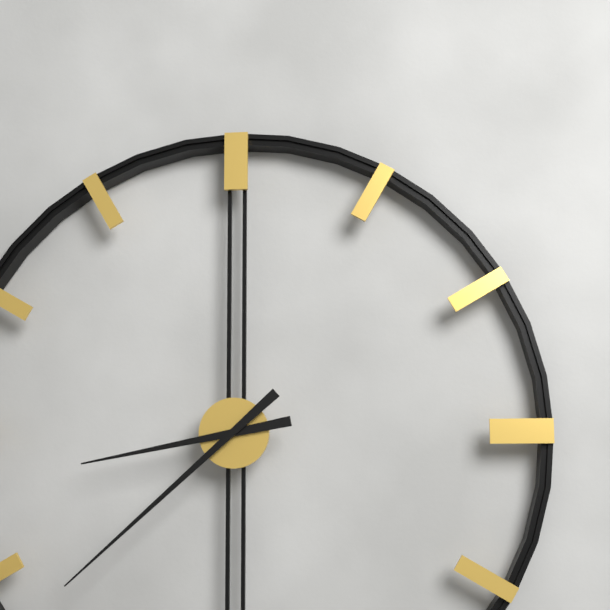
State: 8h38
